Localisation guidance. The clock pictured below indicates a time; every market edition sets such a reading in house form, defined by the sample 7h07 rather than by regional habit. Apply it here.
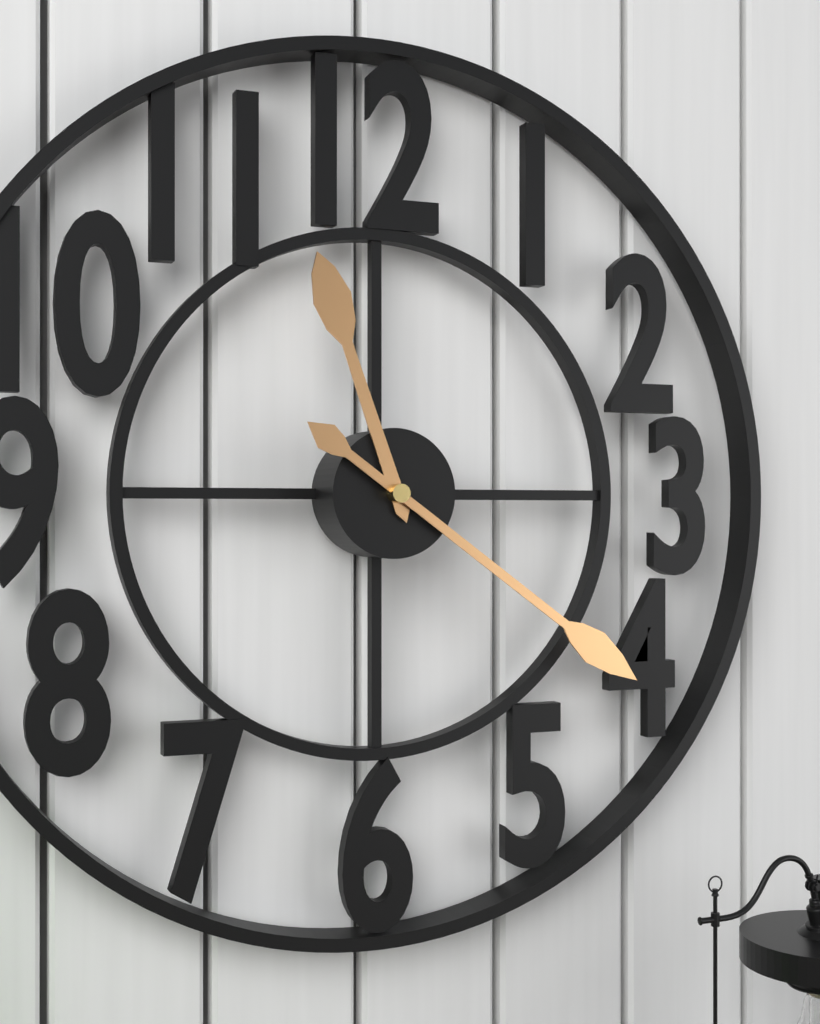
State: 11h21
